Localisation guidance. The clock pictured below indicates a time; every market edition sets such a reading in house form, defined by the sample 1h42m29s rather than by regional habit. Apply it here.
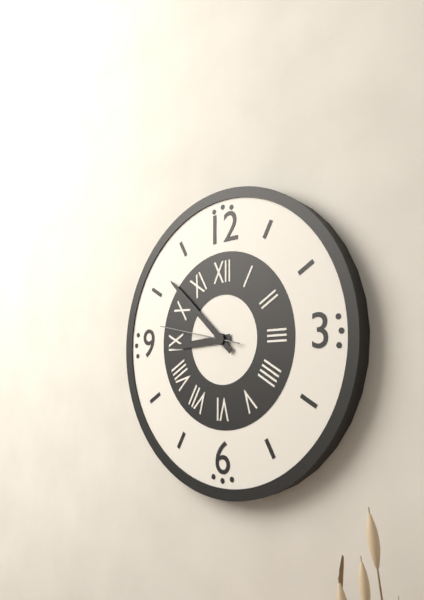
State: 8h52m47s
